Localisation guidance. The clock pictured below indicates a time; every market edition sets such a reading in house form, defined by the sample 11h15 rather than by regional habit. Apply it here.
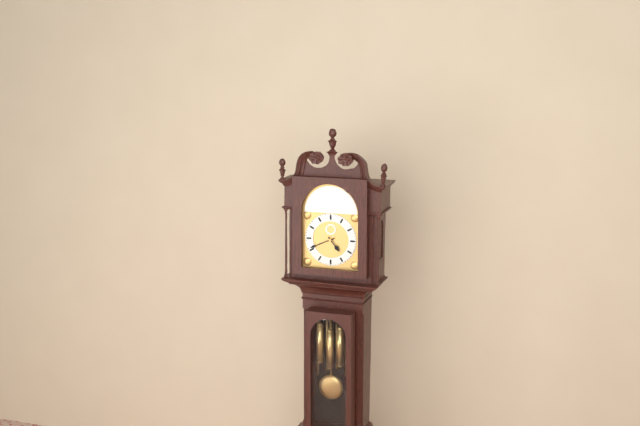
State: 4h41
